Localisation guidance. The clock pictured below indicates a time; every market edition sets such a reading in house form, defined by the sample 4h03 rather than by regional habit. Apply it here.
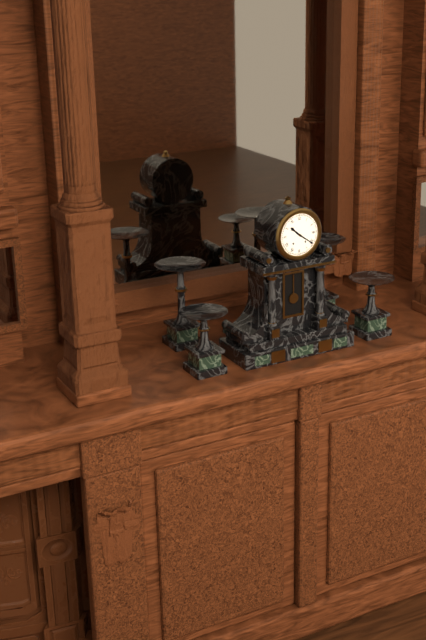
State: 10h21
